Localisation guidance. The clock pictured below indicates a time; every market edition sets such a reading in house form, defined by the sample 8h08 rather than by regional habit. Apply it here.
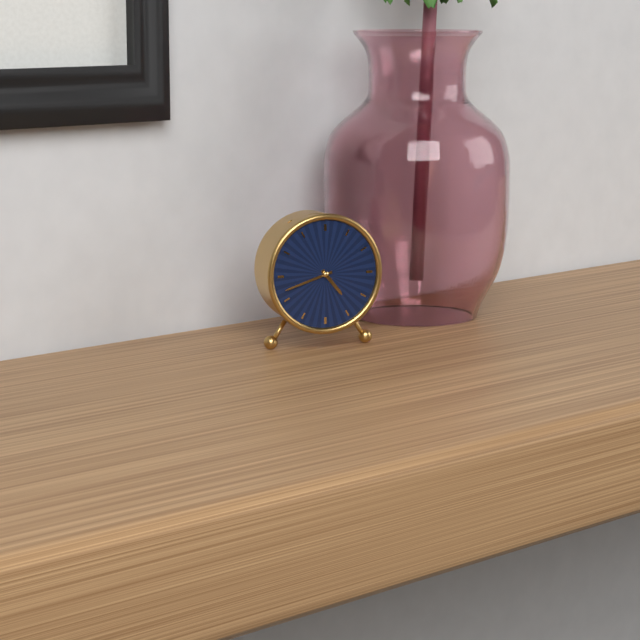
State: 4h42
